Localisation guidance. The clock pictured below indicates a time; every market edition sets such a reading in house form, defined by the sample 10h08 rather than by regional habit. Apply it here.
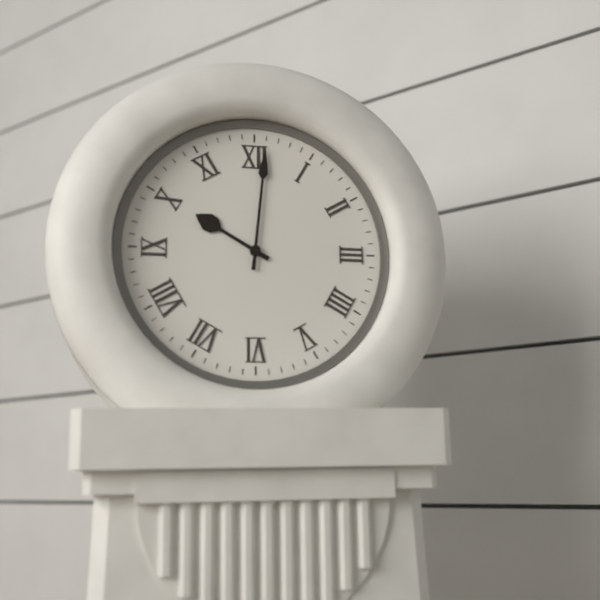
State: 10h01
